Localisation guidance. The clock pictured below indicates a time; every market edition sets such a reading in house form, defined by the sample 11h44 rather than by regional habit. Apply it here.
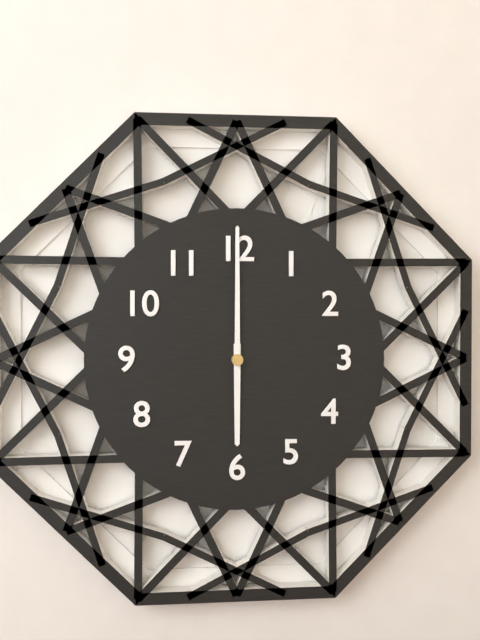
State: 6h00
